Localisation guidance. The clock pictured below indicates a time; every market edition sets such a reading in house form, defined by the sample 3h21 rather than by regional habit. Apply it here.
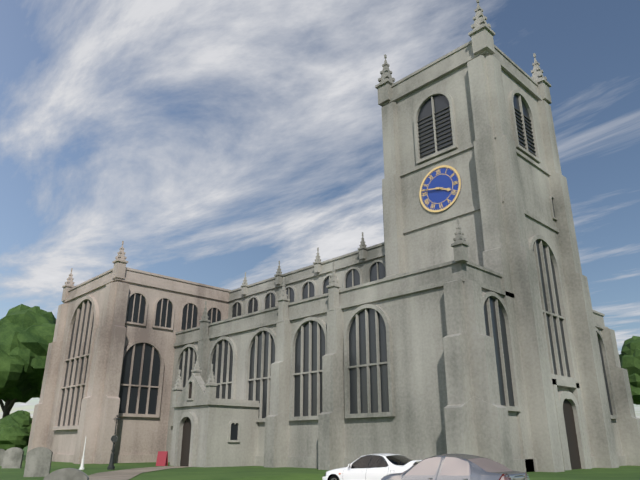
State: 3h47
